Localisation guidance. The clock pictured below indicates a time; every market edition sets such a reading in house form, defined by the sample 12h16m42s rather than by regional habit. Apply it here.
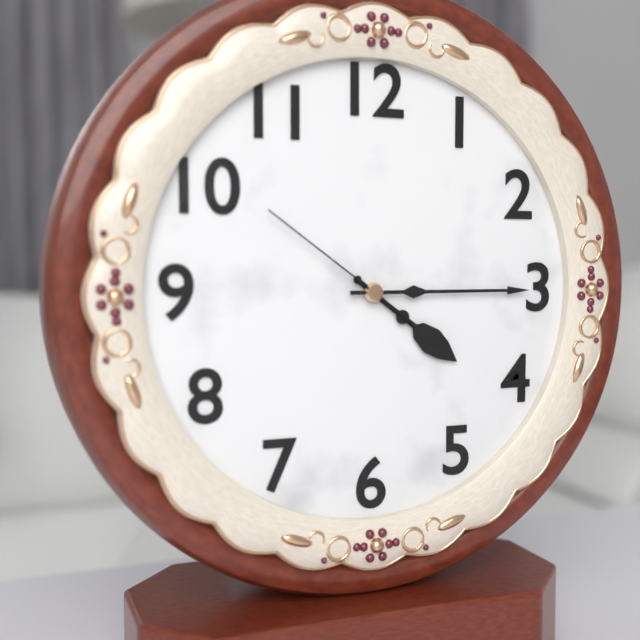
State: 4h15m51s
